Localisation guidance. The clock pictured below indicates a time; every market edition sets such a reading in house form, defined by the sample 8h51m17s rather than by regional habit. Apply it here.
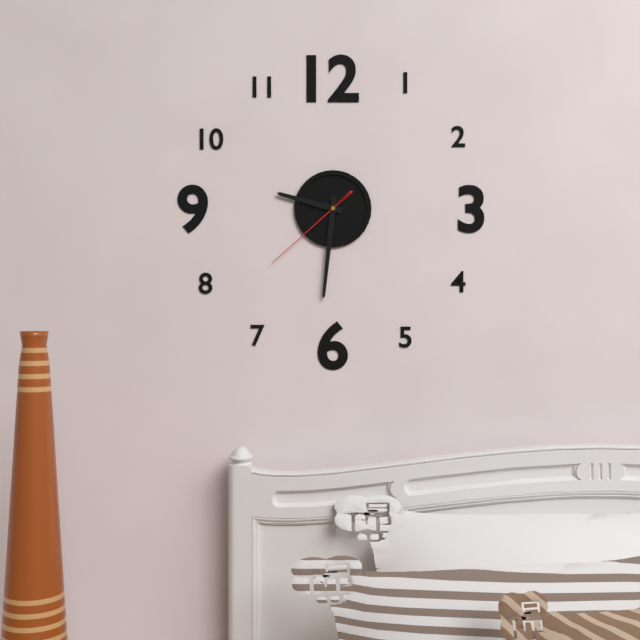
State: 9h31m38s
